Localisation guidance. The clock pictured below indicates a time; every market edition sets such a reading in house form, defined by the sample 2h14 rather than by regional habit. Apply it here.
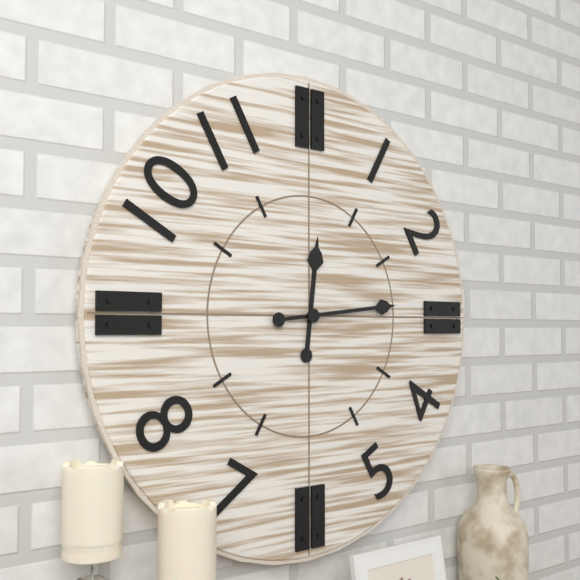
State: 12h14
